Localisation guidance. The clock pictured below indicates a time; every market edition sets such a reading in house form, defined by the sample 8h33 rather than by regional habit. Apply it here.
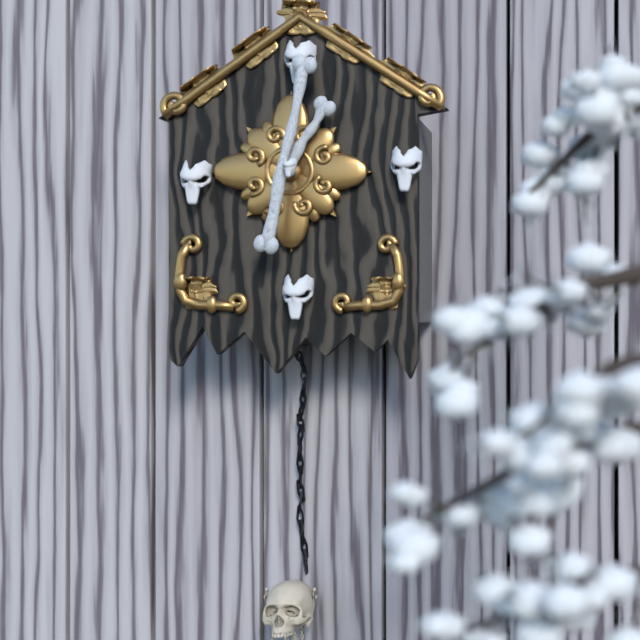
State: 1h02
